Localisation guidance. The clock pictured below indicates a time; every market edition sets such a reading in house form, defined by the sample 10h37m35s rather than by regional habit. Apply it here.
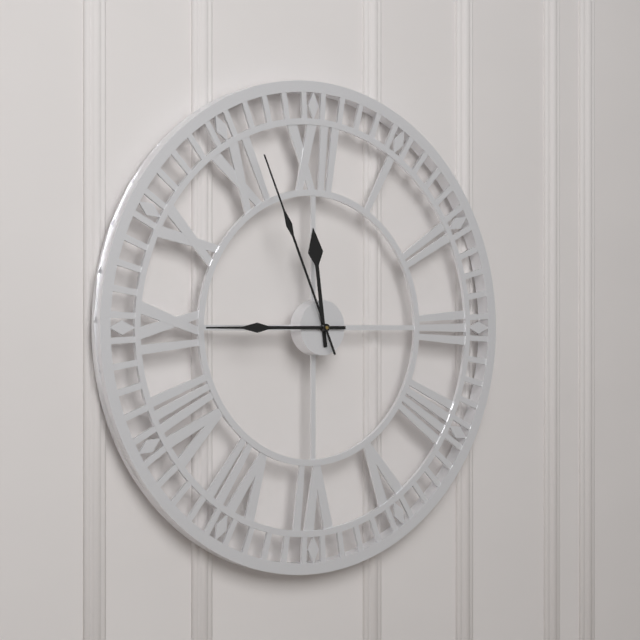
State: 11h45m56s
